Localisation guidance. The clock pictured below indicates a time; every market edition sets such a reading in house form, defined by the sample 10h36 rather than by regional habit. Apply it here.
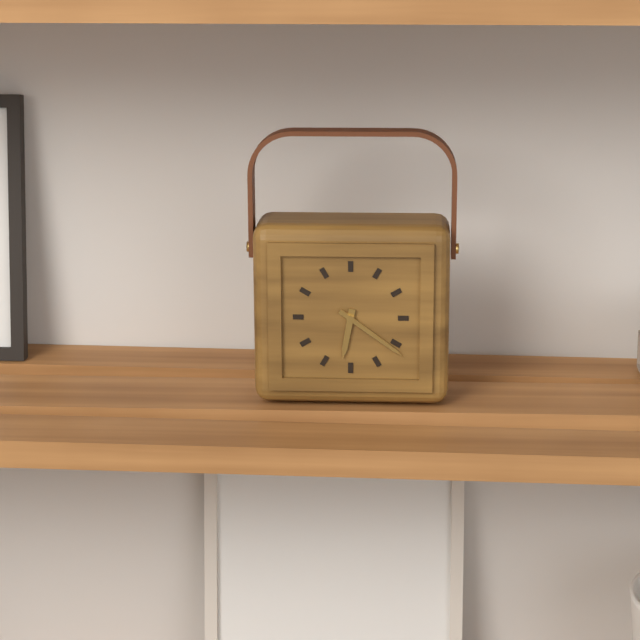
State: 6h21
